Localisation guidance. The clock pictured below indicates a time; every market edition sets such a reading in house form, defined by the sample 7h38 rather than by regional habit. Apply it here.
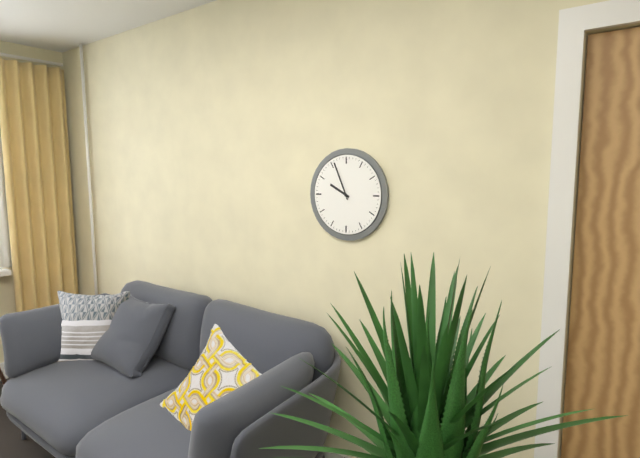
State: 9h56
